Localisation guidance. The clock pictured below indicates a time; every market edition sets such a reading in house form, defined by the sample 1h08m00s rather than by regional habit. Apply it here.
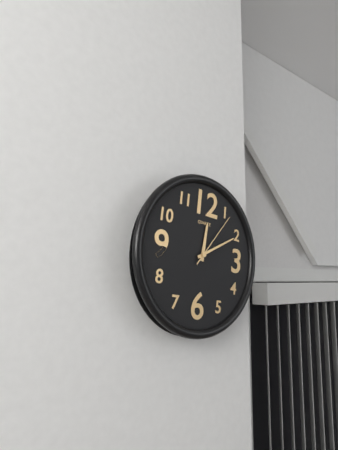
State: 12h10m06s
